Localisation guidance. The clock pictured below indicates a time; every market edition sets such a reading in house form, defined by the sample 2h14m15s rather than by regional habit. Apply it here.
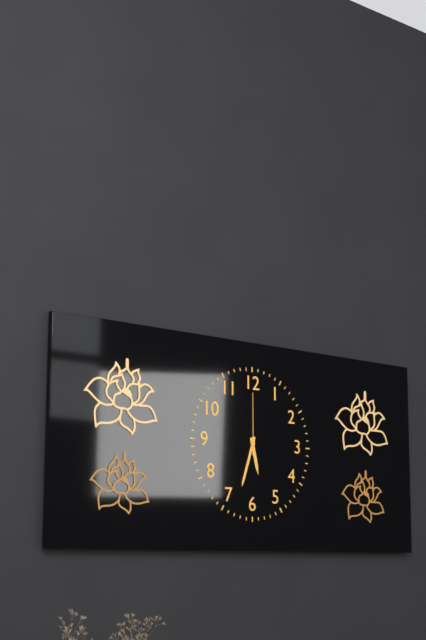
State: 5h33m00s
